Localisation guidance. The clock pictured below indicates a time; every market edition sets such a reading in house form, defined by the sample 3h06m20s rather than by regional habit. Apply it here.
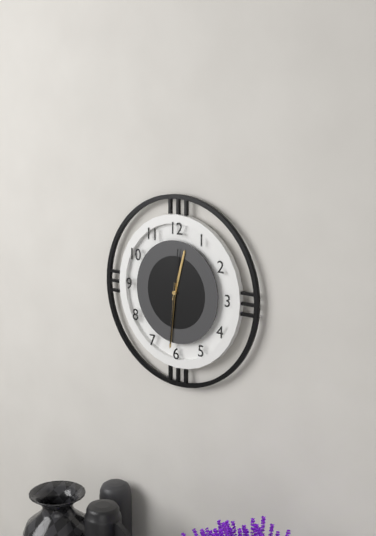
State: 12h31m31s
